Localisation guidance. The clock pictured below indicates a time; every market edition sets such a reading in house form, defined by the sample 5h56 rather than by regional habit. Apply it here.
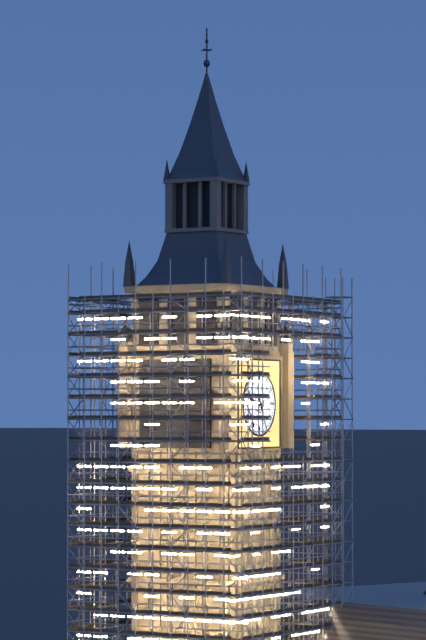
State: 9h26
